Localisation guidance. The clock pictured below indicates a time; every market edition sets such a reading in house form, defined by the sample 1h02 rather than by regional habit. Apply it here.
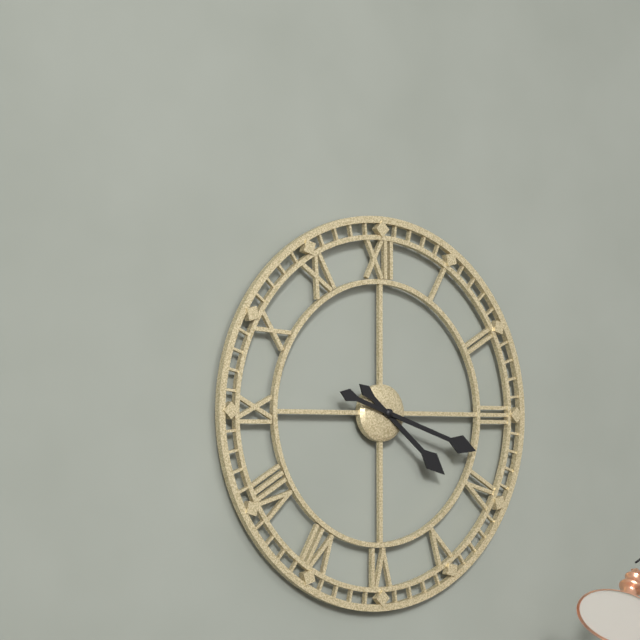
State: 4h18
